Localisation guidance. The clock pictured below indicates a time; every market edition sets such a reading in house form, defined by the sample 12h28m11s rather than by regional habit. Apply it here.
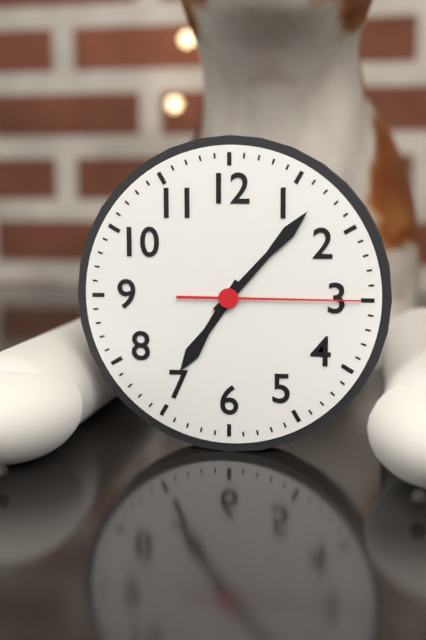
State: 7h07m15s
